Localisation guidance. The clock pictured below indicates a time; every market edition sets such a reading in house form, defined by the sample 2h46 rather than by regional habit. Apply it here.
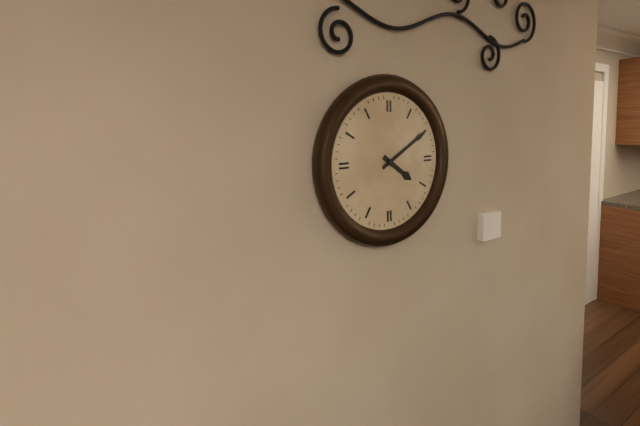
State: 4h10
